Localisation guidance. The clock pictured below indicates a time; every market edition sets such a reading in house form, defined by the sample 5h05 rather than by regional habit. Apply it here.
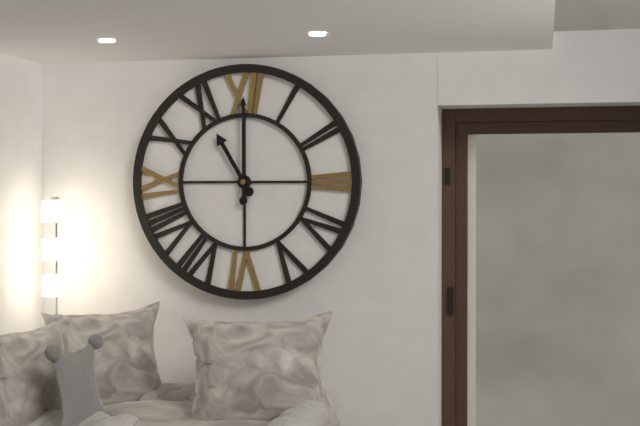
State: 11h00
